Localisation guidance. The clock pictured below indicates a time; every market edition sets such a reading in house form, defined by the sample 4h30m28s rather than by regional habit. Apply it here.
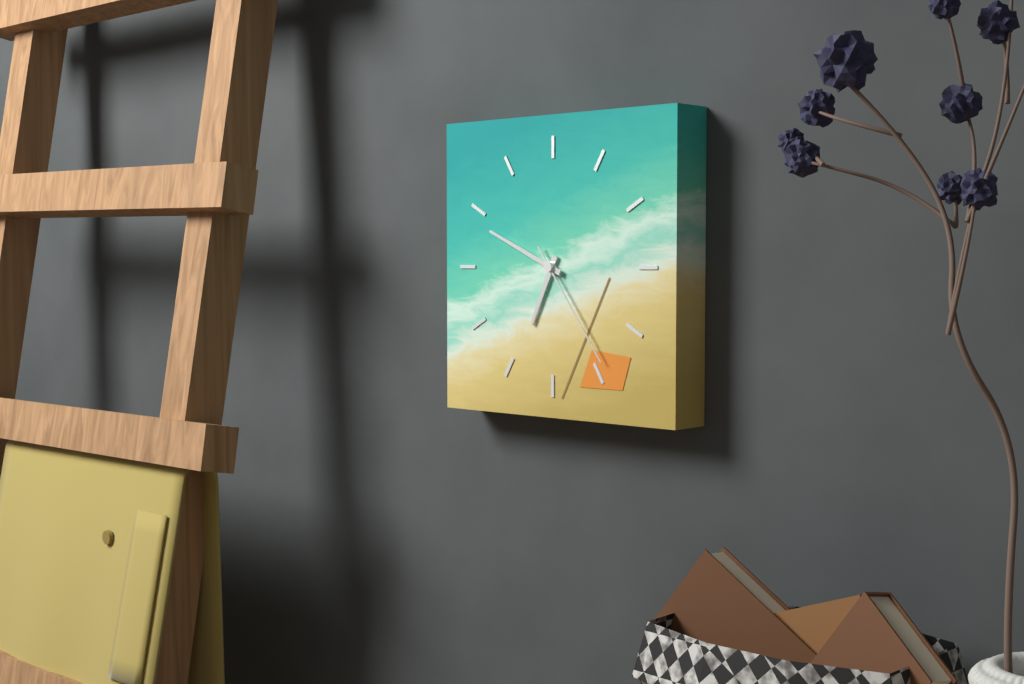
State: 6h49m24s
